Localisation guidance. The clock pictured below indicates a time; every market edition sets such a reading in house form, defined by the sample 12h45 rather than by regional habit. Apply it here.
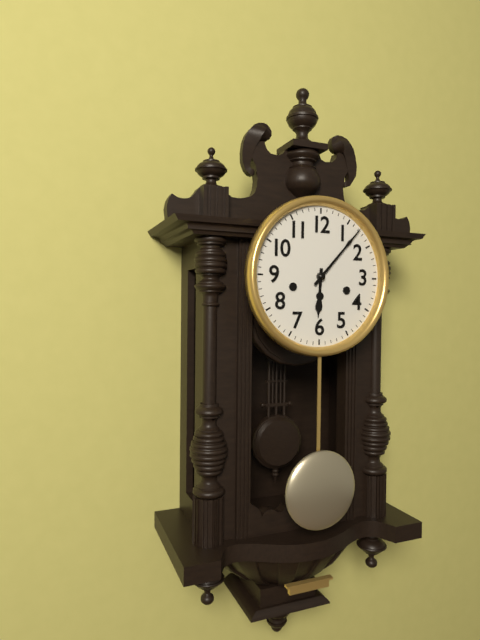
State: 6h07
